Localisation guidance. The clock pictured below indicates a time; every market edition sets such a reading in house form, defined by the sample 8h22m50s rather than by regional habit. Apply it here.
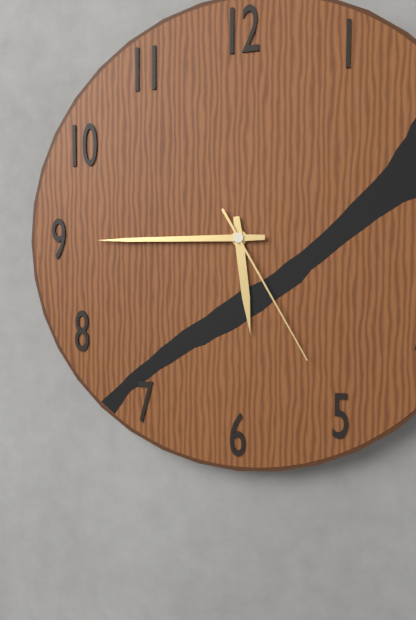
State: 5h45m25s
